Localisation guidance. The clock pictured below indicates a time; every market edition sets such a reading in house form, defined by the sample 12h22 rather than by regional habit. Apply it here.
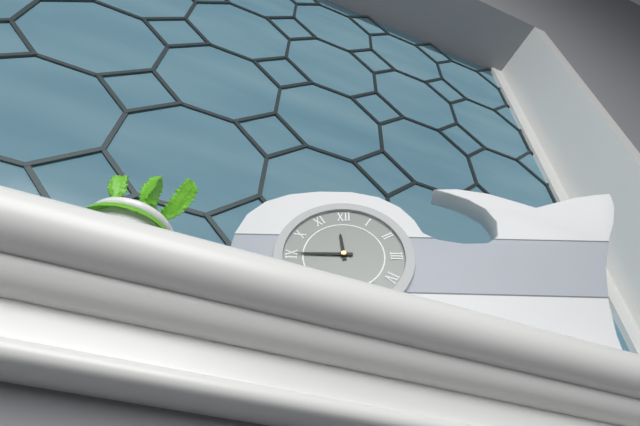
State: 11h45
